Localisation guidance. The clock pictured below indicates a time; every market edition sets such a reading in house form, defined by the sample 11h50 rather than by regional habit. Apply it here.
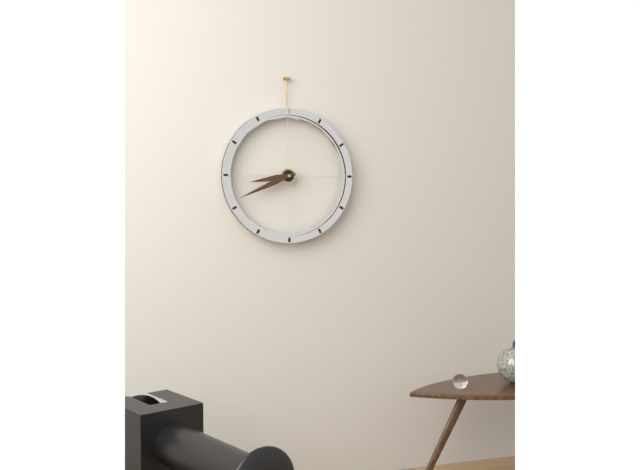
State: 8h41
